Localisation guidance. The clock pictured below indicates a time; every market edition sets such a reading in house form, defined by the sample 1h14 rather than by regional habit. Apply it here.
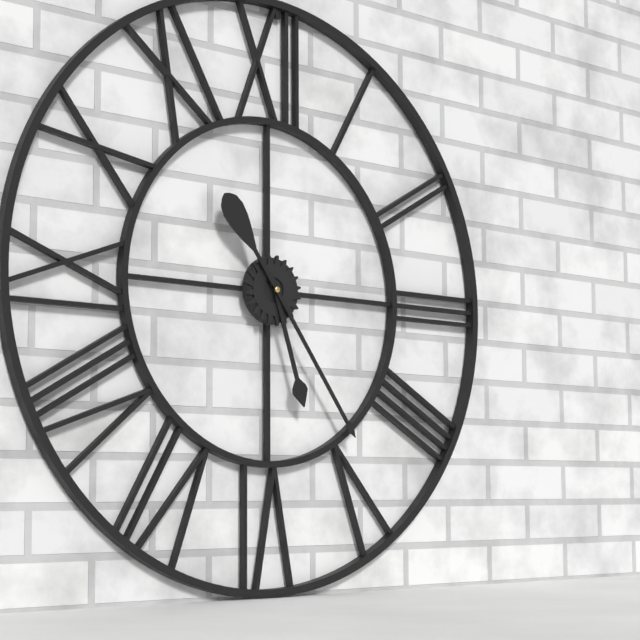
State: 5h24
